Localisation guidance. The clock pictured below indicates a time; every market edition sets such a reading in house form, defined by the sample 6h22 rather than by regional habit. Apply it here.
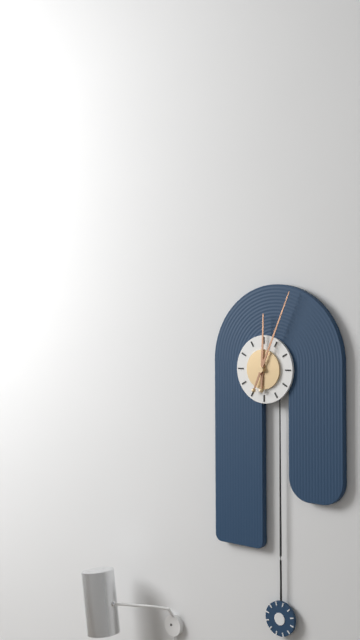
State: 12h04
